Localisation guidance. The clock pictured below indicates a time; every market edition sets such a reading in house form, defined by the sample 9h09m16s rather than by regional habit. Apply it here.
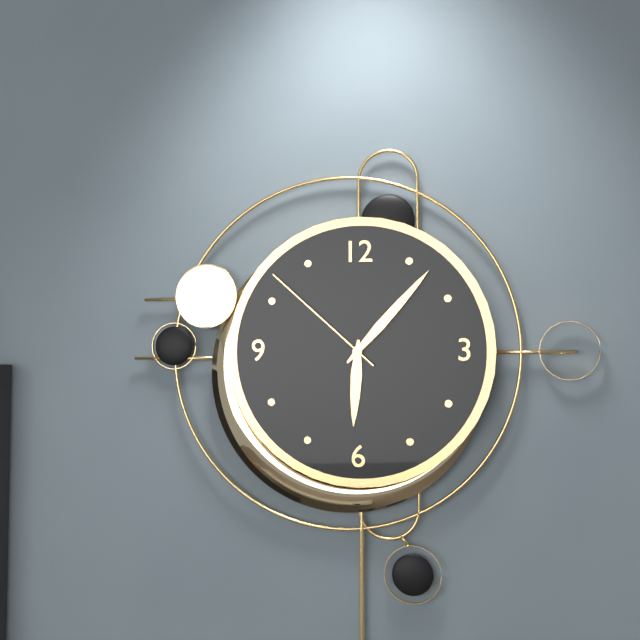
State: 6h07m52s
